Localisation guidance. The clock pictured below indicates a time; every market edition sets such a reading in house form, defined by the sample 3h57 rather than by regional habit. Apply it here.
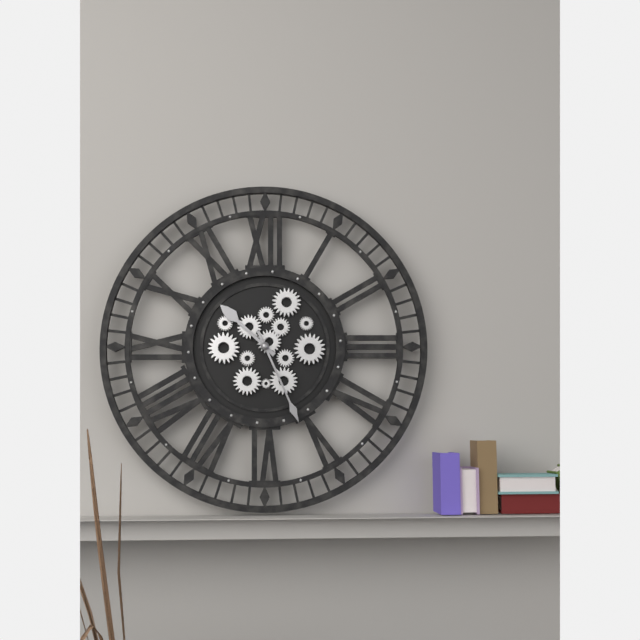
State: 10h26
